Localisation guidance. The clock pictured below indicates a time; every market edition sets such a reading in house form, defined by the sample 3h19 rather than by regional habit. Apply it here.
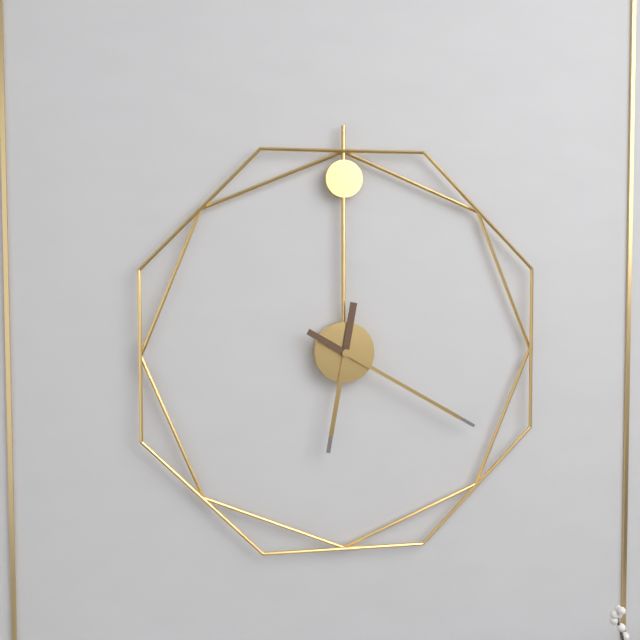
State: 6h20
